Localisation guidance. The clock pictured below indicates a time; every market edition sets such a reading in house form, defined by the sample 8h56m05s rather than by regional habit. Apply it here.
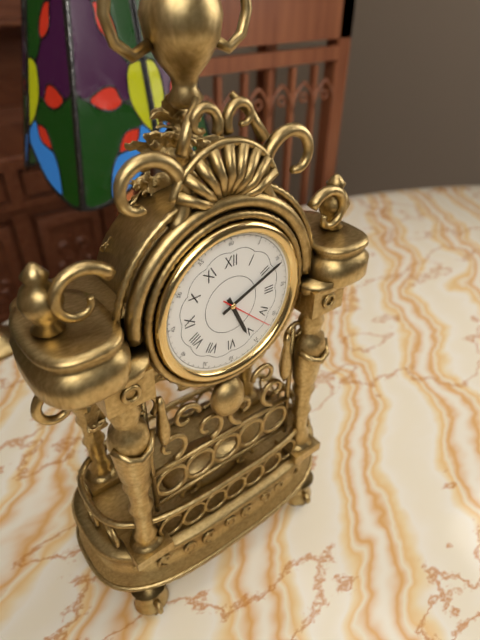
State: 5h11m22s
